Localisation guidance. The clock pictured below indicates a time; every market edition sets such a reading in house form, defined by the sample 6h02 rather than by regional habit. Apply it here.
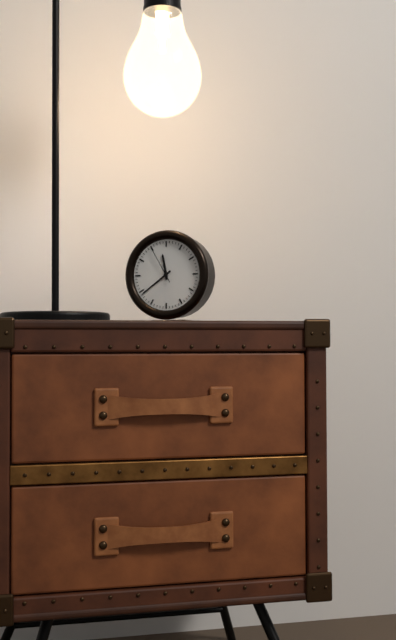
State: 11h39
